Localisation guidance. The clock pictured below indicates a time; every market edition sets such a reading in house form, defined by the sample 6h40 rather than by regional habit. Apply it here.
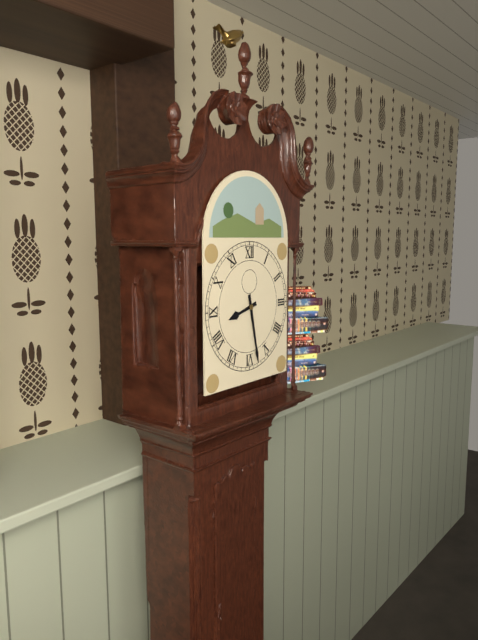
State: 8h28
